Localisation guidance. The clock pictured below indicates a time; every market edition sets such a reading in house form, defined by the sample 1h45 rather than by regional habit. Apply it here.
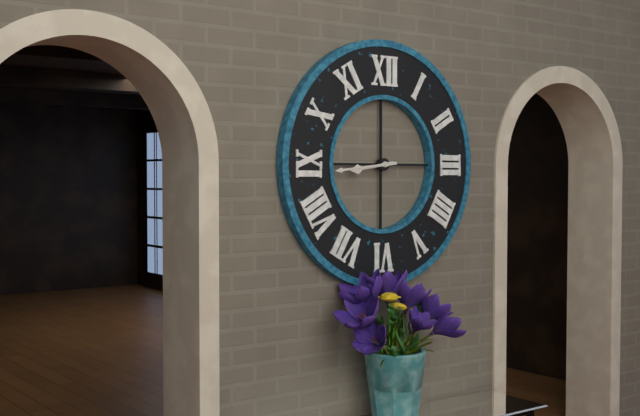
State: 8h44
